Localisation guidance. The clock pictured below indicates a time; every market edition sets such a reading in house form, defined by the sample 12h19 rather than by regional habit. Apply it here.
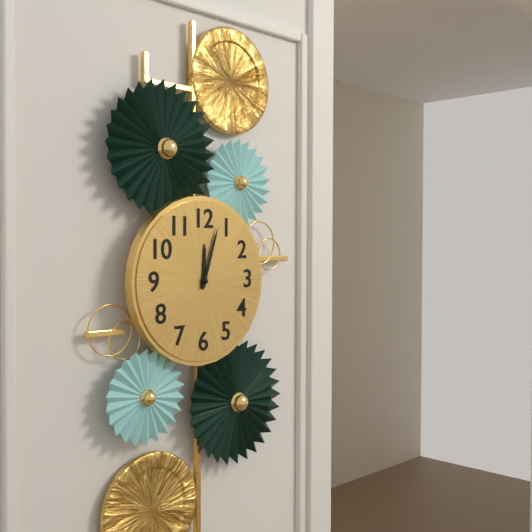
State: 12h03
